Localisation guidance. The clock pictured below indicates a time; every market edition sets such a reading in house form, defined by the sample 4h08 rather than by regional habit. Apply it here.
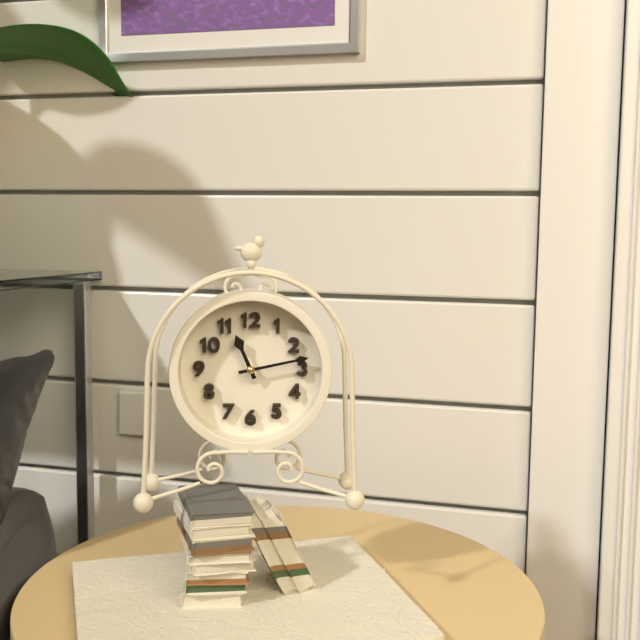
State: 11h13
